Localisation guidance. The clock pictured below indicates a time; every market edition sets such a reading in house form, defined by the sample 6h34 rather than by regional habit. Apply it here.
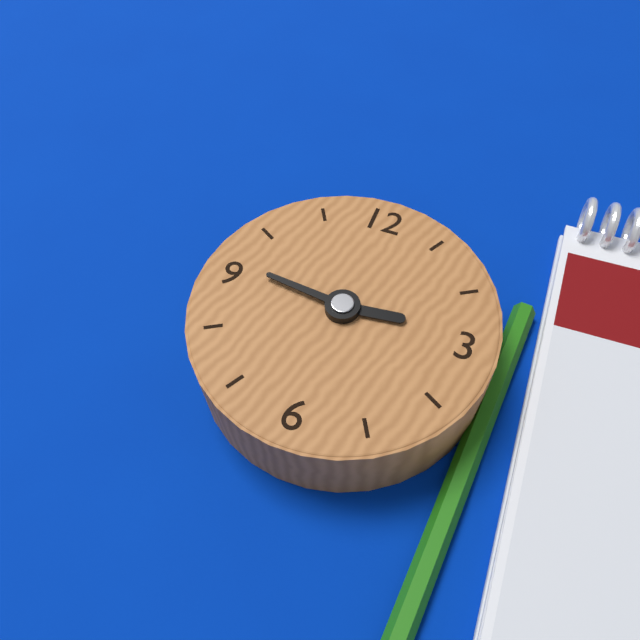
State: 2h46
